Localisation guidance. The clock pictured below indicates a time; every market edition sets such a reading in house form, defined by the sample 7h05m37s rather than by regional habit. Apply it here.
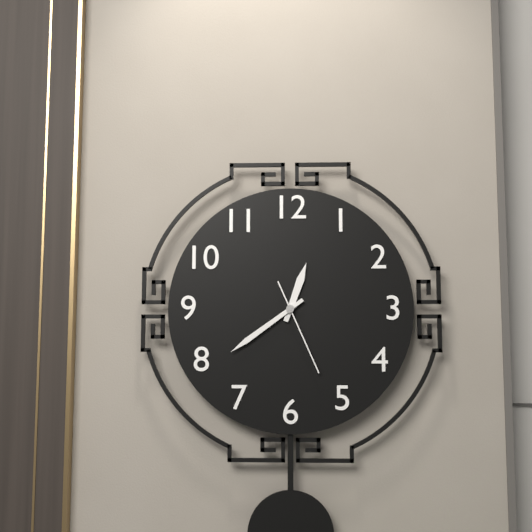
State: 12h39m26s
